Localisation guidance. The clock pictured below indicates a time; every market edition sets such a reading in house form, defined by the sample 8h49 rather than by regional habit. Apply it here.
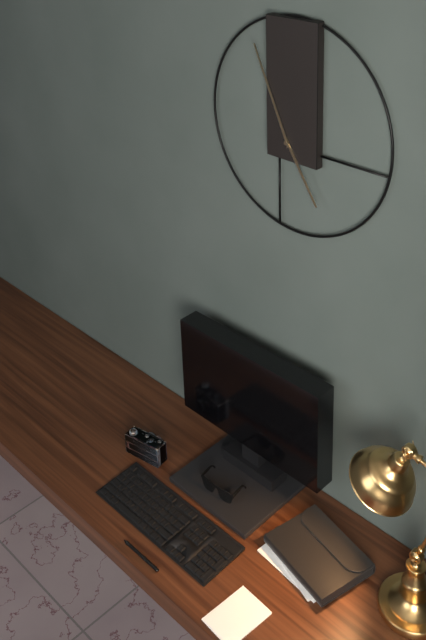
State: 4h56
